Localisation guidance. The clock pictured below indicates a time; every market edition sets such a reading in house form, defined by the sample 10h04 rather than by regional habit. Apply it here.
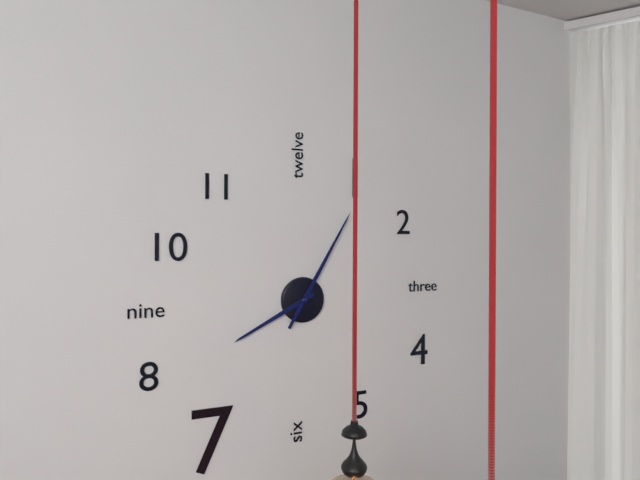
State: 8h05
